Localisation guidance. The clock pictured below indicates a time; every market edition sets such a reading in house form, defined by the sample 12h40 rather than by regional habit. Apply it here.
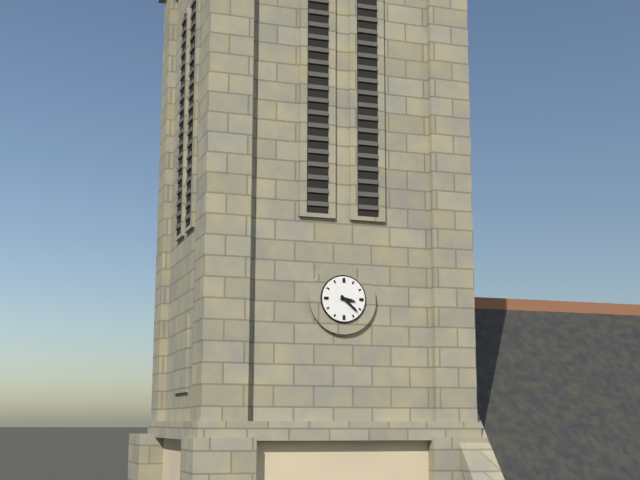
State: 3h22
